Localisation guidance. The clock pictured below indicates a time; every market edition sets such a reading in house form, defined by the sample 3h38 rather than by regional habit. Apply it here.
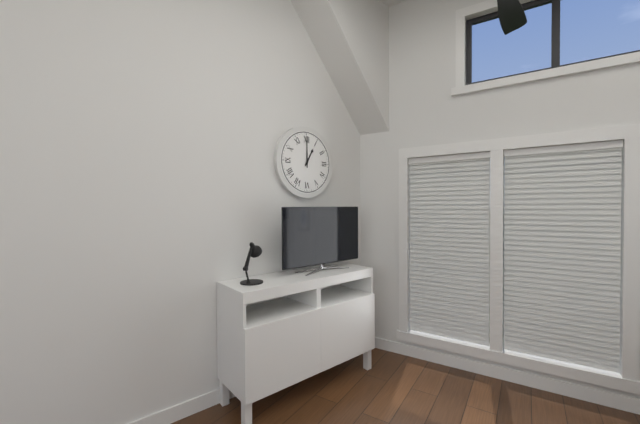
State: 1h00
